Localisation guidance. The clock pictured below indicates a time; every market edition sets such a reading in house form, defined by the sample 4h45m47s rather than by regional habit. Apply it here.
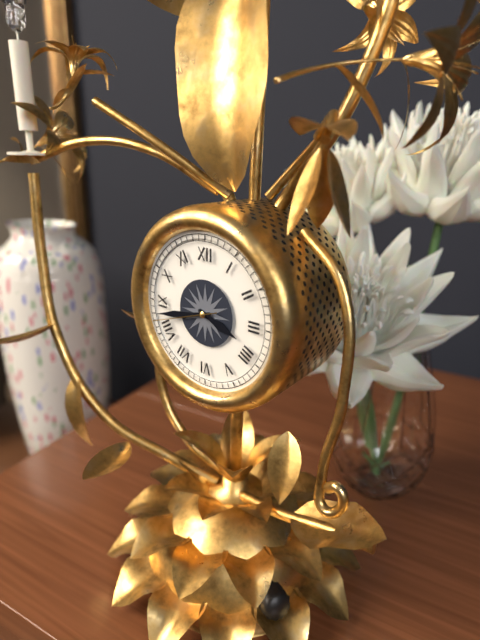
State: 3h43m42s
